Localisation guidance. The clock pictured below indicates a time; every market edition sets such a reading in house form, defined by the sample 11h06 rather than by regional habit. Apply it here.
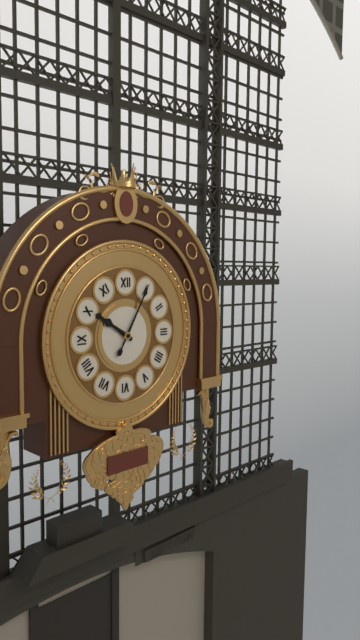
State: 10h05
